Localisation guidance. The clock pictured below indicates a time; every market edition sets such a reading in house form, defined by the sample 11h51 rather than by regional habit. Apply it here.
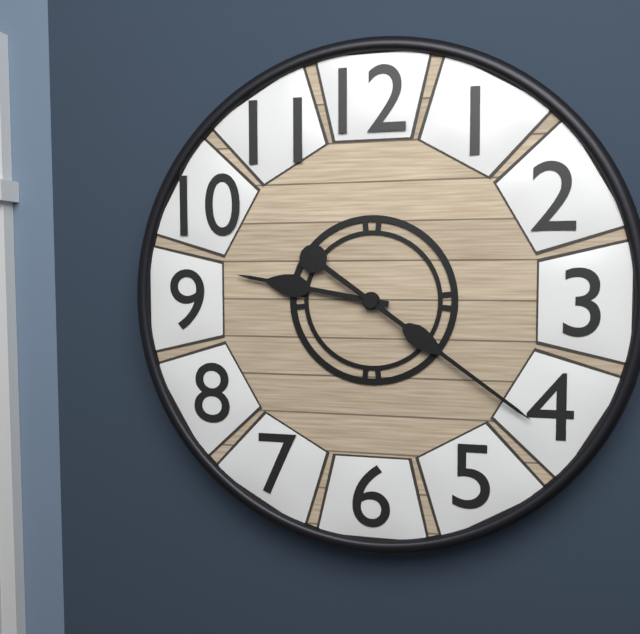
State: 9h21
